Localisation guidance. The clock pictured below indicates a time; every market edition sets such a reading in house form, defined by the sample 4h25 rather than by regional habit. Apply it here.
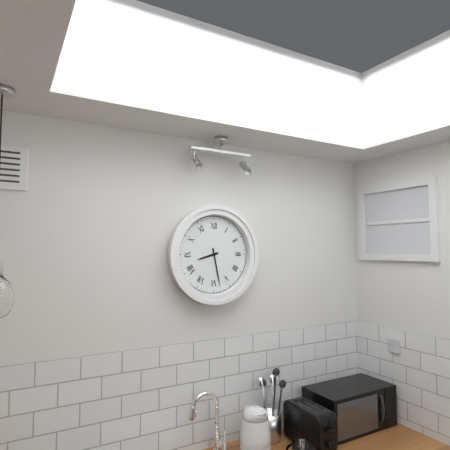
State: 8h28
